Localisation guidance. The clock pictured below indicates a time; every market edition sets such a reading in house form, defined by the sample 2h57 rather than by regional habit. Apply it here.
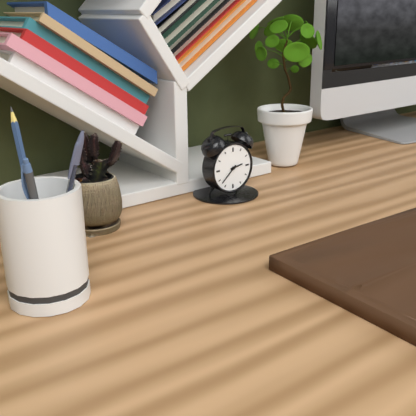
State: 2h38
